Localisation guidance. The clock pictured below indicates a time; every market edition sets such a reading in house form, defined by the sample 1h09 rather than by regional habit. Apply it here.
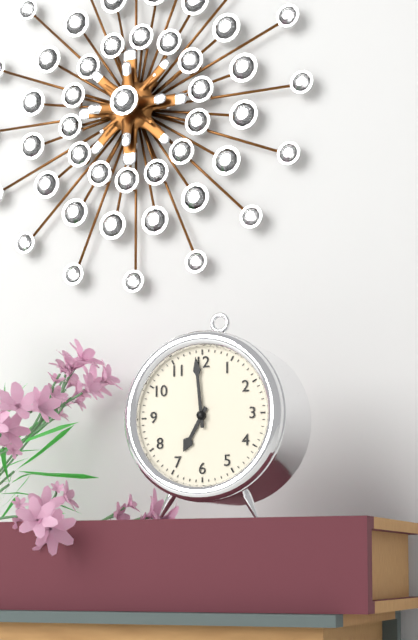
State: 6h59
